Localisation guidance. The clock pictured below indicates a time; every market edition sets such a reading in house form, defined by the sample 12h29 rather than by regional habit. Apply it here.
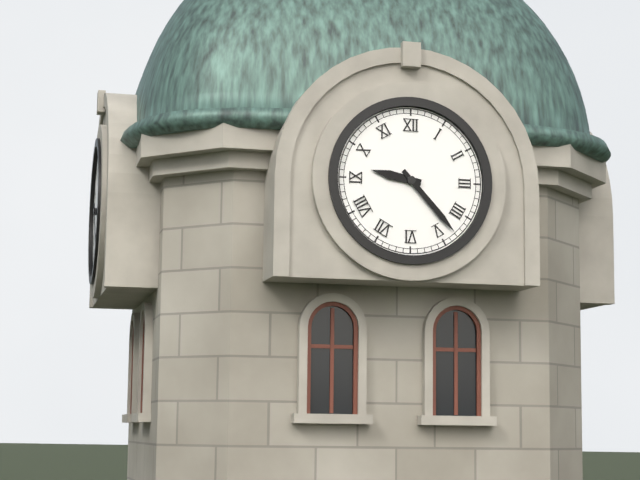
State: 9h23
